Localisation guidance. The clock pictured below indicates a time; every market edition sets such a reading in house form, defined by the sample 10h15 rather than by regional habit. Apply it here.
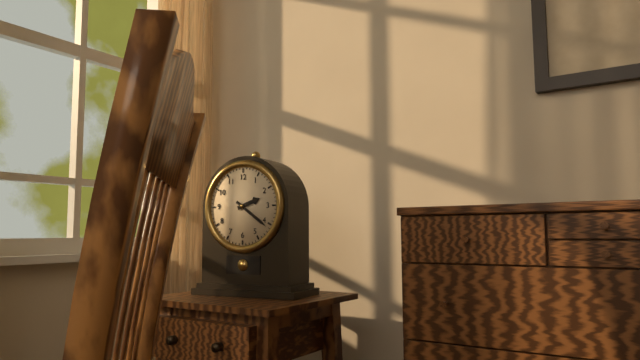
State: 2h21
